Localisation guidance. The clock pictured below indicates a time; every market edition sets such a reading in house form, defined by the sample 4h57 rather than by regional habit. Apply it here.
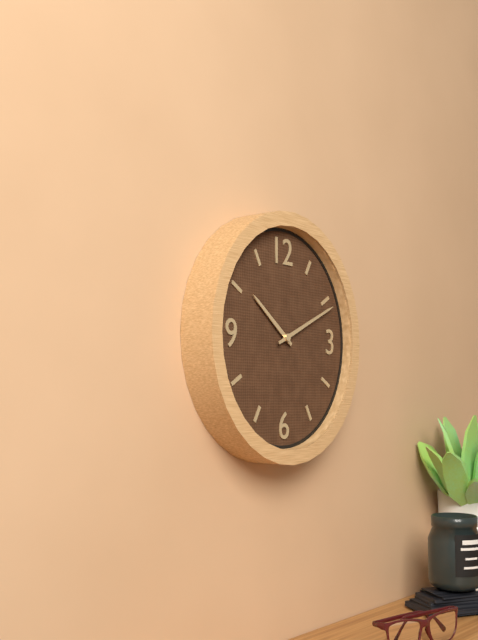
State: 10h11
